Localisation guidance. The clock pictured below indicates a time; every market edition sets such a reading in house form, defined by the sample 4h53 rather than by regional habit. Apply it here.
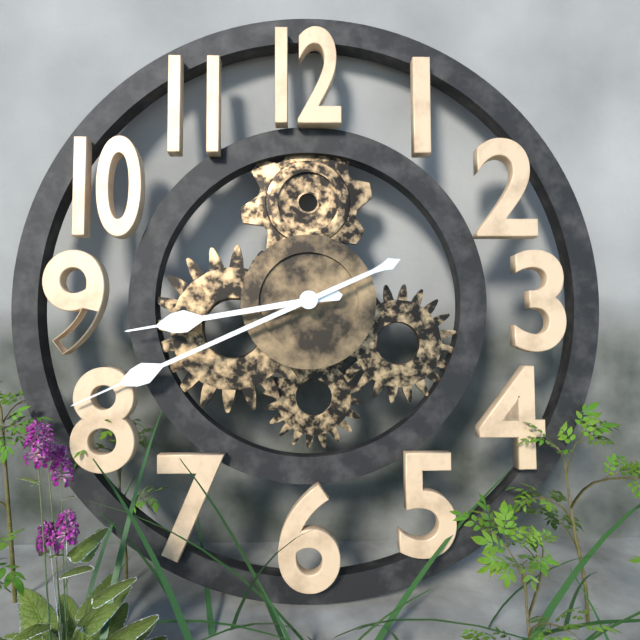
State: 8h41
